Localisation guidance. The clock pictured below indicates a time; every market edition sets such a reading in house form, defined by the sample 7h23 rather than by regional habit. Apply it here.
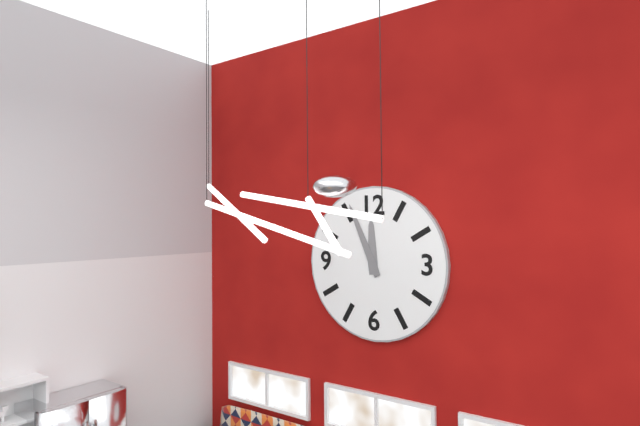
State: 11h56
